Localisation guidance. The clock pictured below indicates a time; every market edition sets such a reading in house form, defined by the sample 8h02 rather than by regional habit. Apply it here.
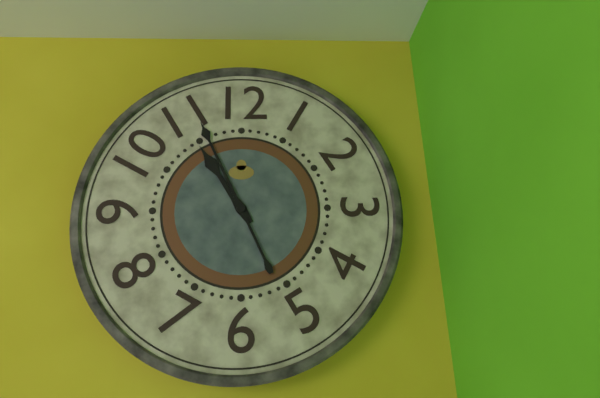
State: 10h56
